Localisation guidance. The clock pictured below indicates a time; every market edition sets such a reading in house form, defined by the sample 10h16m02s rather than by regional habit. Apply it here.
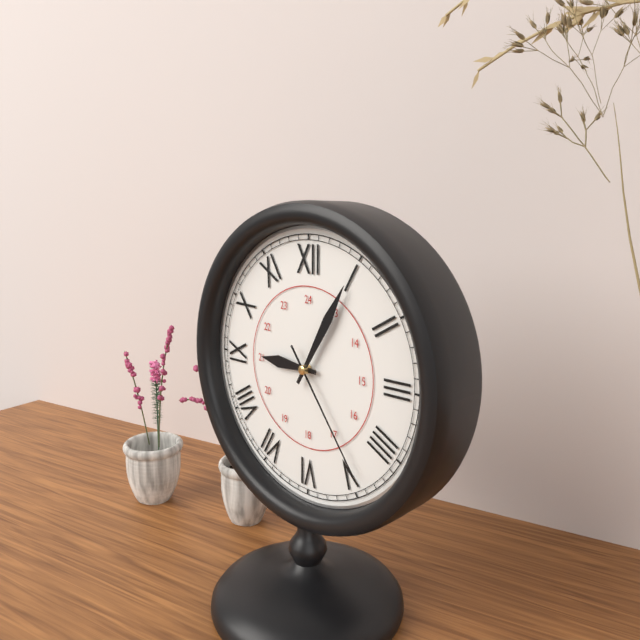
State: 9h05m24s
